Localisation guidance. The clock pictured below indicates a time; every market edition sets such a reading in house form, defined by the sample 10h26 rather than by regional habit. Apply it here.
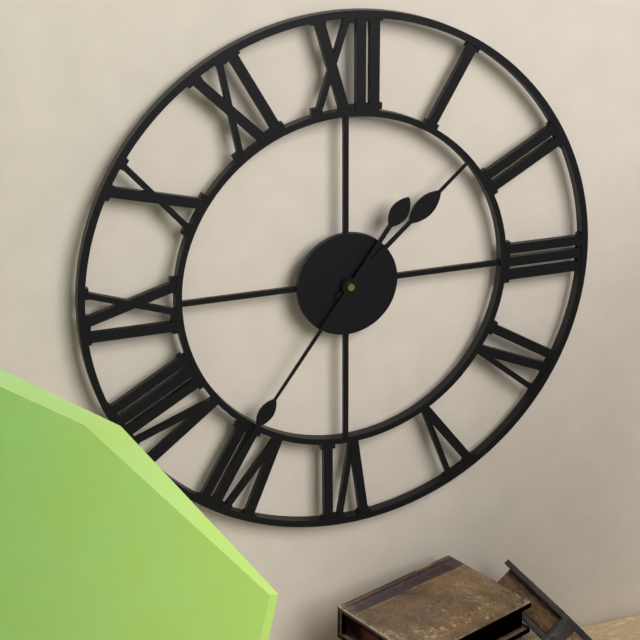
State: 1h36
